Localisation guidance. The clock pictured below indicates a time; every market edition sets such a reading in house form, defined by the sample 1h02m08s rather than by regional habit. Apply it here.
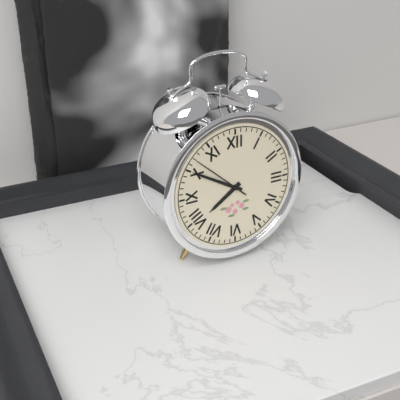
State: 7h50m52s
